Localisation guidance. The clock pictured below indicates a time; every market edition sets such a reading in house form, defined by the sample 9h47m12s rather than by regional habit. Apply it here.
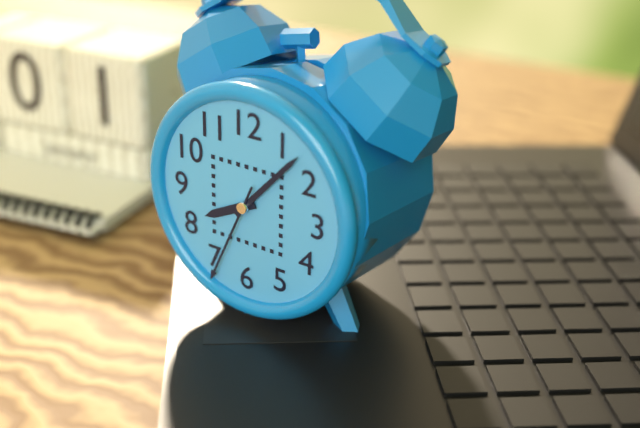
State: 8h07m34s
